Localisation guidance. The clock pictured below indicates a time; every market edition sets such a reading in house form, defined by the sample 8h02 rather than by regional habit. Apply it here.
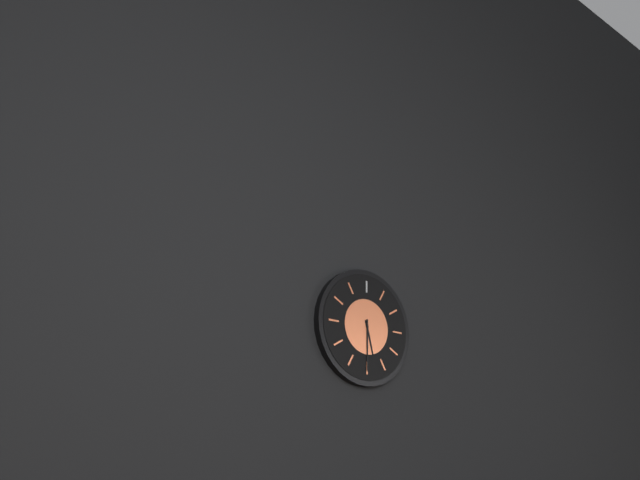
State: 5h30
